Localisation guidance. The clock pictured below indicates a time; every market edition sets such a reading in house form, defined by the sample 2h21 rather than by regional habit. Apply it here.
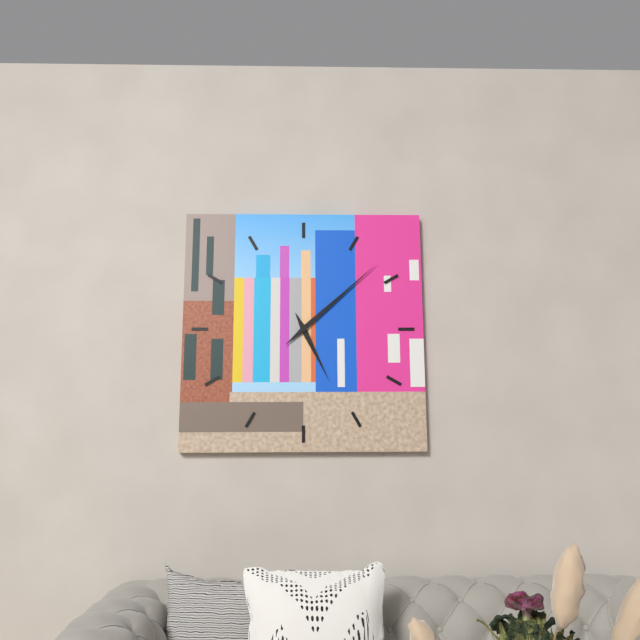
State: 5h08
